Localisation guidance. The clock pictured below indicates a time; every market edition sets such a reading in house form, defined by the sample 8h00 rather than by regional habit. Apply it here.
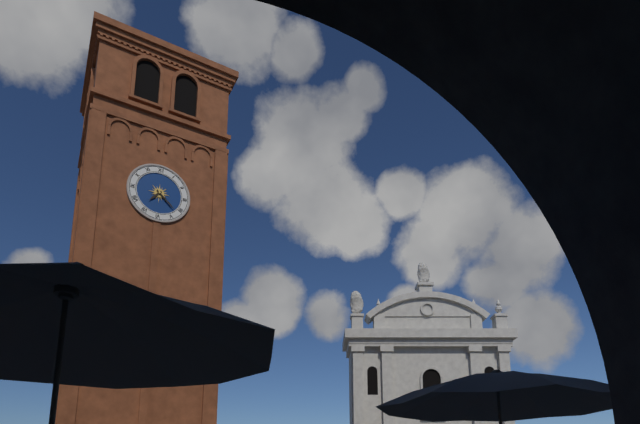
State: 7h22
